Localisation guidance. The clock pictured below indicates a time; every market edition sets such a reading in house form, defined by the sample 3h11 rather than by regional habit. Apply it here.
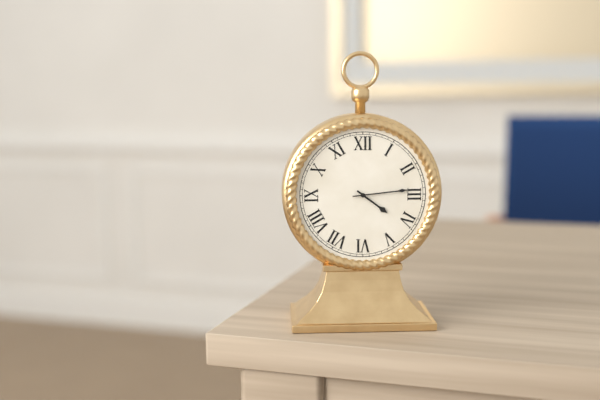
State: 4h14
